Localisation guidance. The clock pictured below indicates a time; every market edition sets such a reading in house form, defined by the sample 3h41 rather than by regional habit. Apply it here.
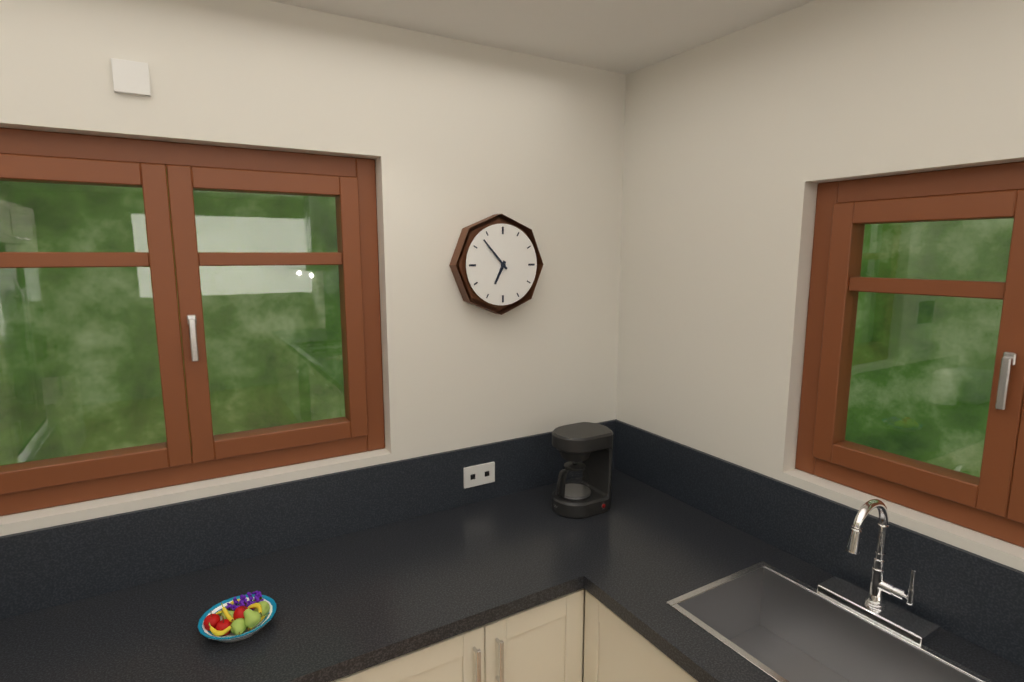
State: 6h53
